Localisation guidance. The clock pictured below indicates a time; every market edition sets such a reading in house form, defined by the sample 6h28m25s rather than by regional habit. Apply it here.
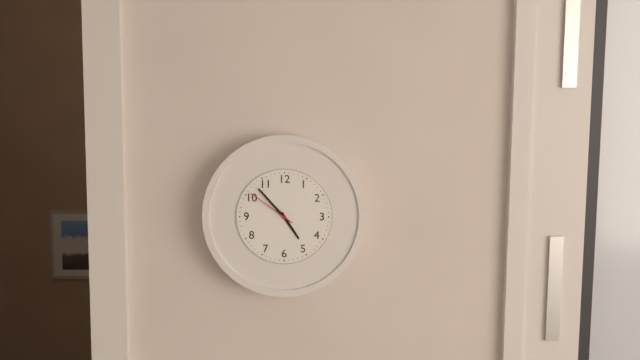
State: 4h53m51s
